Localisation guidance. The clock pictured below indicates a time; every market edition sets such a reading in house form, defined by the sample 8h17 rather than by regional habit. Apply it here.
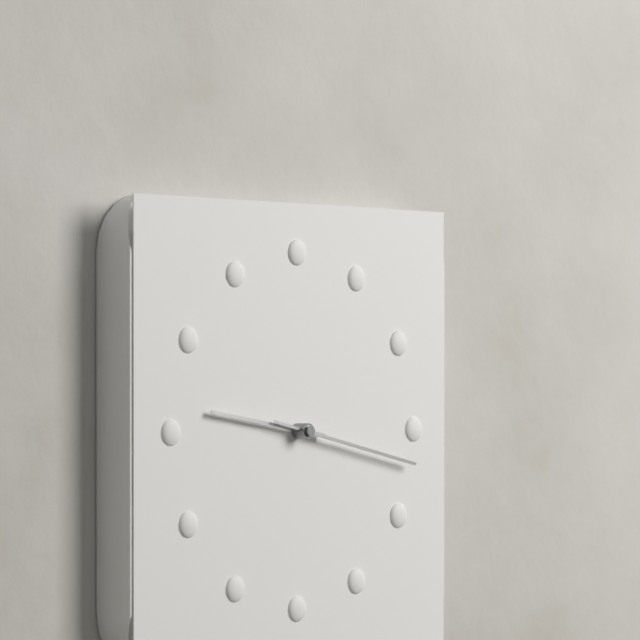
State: 9h17
